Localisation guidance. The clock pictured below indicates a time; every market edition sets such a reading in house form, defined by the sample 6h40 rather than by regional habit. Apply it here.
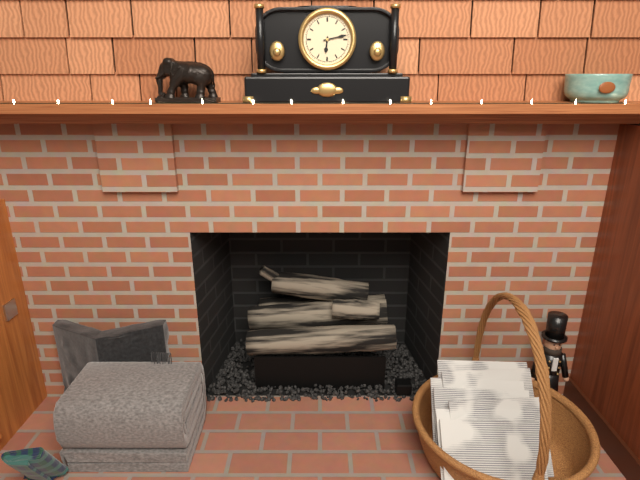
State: 6h13
